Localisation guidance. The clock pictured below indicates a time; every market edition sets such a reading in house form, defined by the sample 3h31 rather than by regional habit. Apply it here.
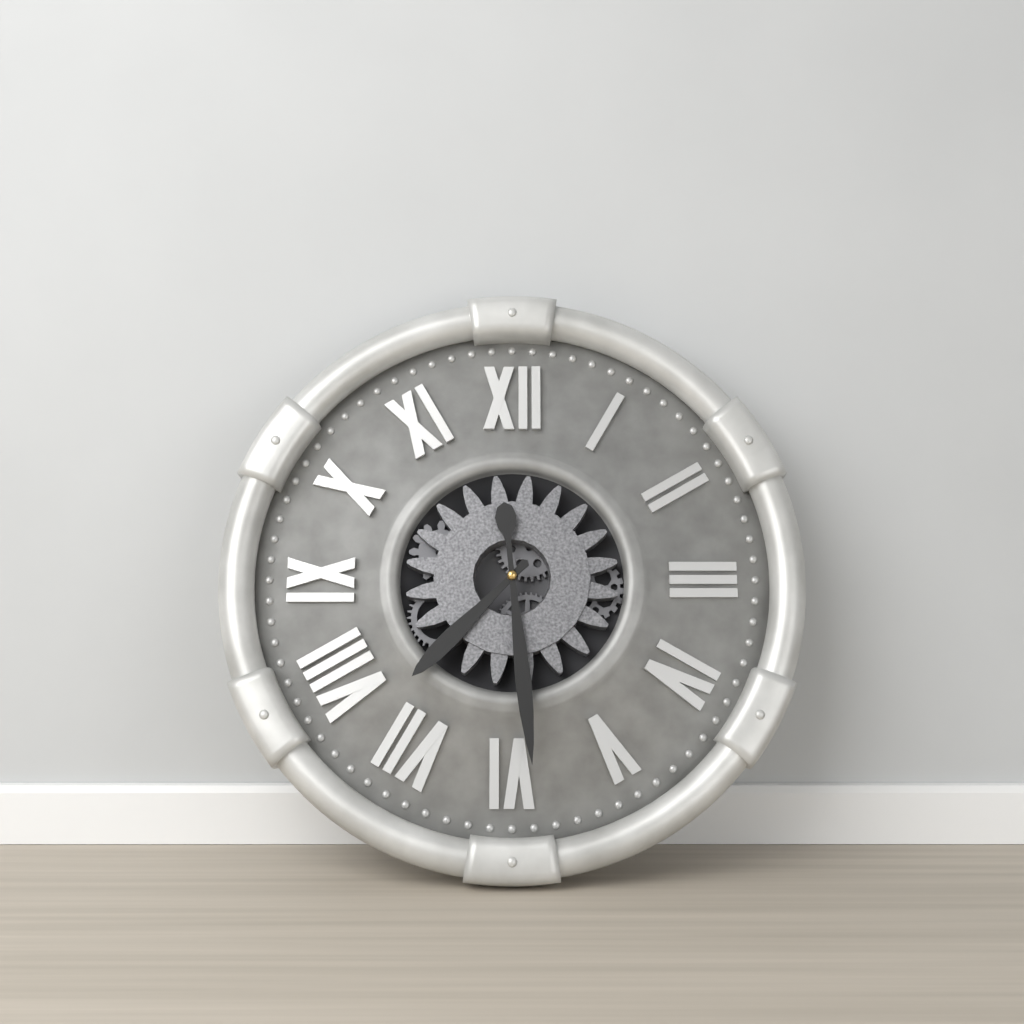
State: 7h29
